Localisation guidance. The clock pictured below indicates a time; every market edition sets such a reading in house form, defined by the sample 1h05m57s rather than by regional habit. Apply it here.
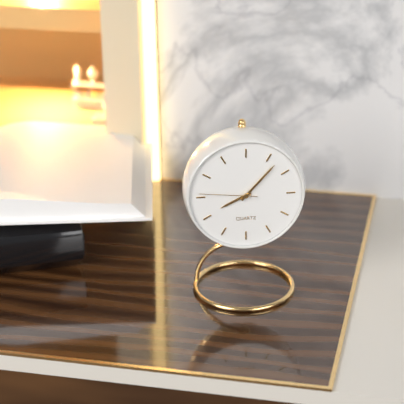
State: 8h07m46s
